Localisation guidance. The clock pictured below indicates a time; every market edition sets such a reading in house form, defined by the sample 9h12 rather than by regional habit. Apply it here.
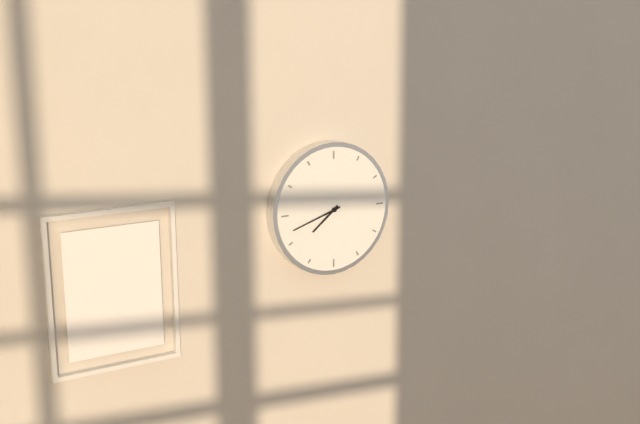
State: 7h42
